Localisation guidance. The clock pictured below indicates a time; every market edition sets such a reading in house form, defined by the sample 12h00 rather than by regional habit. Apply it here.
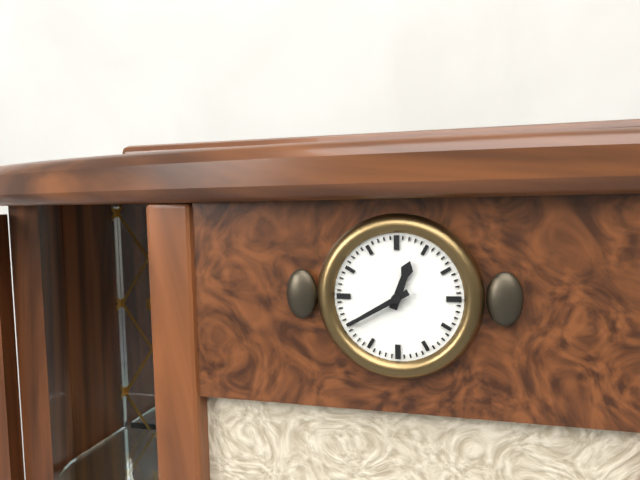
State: 12h40
